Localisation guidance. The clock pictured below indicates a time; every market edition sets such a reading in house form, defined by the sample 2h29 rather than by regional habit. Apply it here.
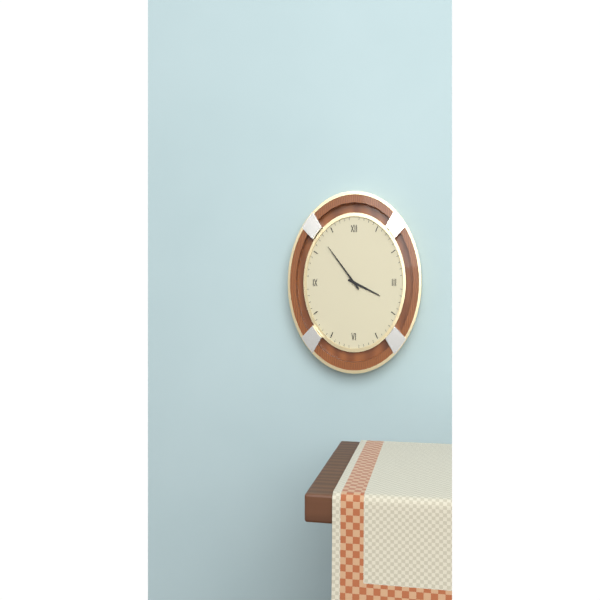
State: 3h54
